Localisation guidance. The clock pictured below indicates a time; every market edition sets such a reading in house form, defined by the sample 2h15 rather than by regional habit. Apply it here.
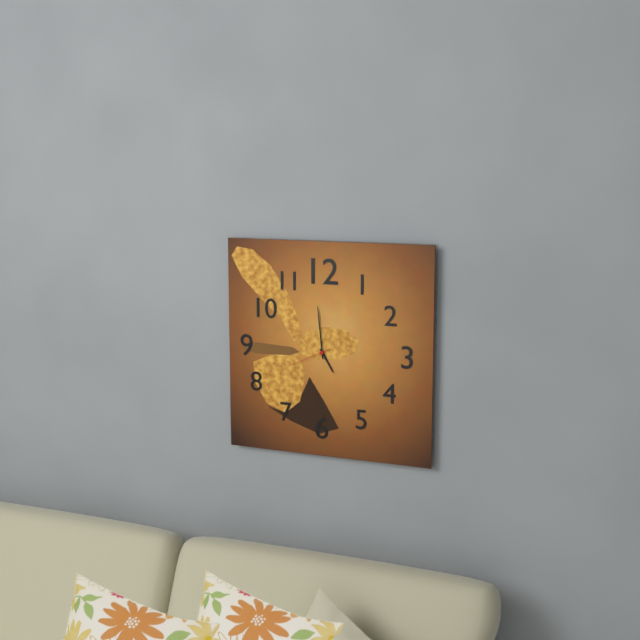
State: 4h59
